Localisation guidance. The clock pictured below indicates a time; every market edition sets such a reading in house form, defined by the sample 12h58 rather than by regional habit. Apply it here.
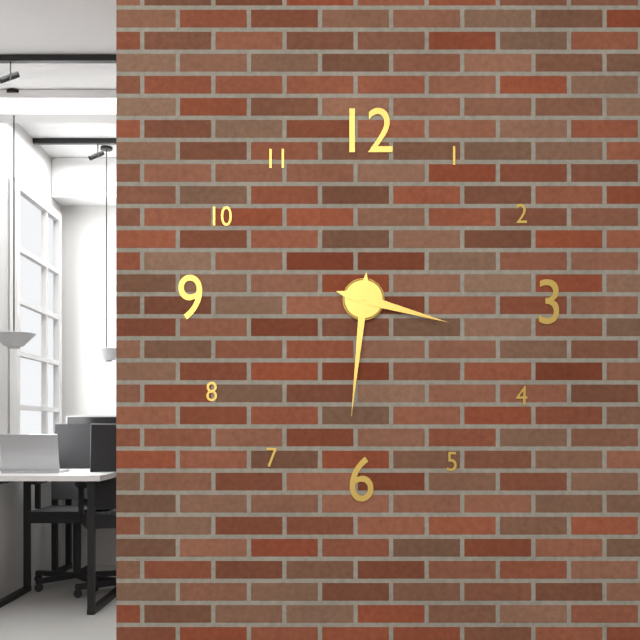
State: 3h31
